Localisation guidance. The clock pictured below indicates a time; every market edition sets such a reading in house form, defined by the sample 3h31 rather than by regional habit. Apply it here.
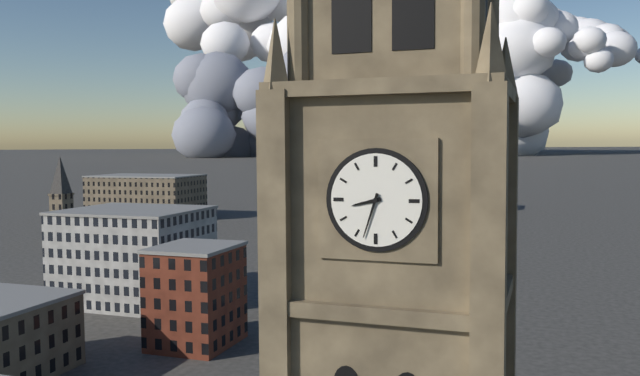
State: 8h33
